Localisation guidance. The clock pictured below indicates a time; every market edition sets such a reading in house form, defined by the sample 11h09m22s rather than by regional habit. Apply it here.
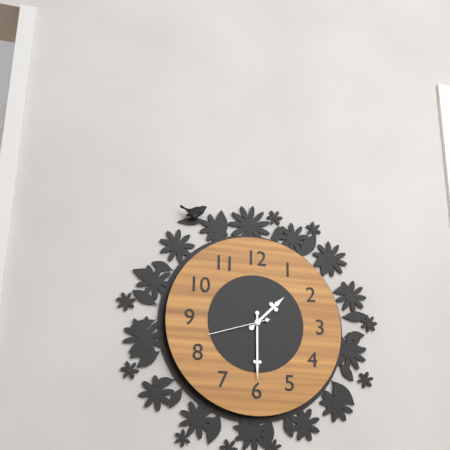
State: 1h30m42s
